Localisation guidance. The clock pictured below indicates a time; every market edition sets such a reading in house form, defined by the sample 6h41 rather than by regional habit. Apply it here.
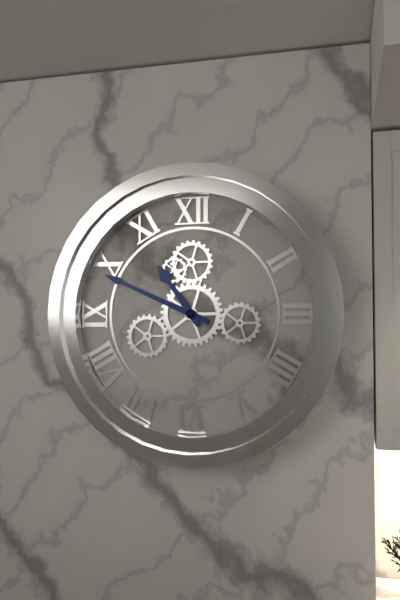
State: 10h49
